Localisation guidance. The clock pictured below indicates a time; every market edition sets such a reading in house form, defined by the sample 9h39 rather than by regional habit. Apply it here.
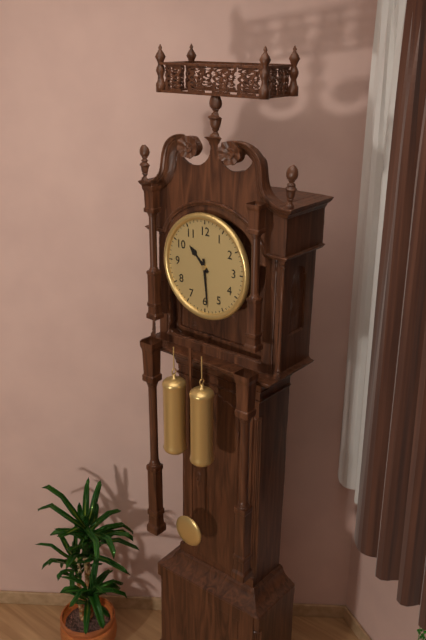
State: 10h29
